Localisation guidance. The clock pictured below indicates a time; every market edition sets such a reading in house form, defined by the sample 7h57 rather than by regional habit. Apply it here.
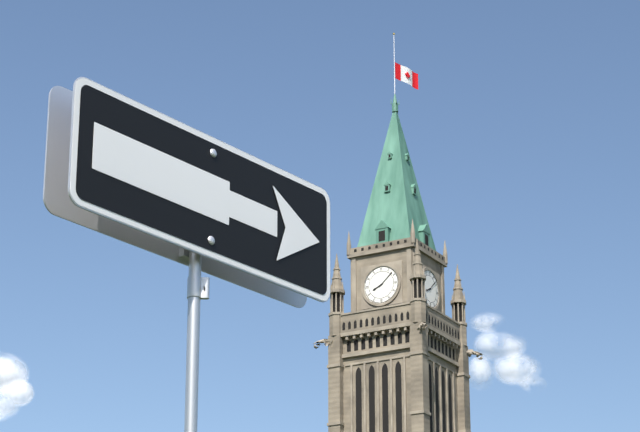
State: 8h08
